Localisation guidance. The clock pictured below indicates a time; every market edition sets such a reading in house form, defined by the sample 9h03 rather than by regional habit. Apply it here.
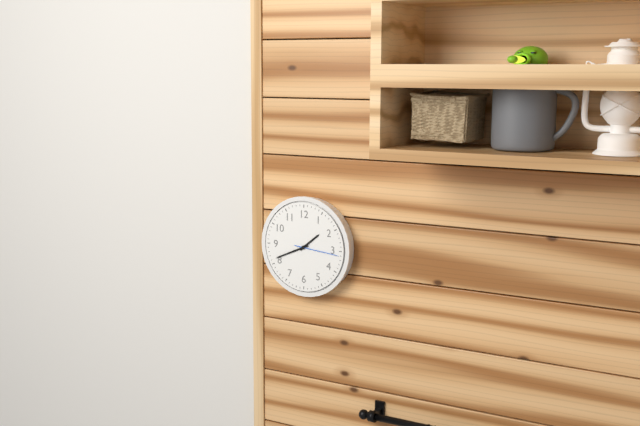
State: 1h41
